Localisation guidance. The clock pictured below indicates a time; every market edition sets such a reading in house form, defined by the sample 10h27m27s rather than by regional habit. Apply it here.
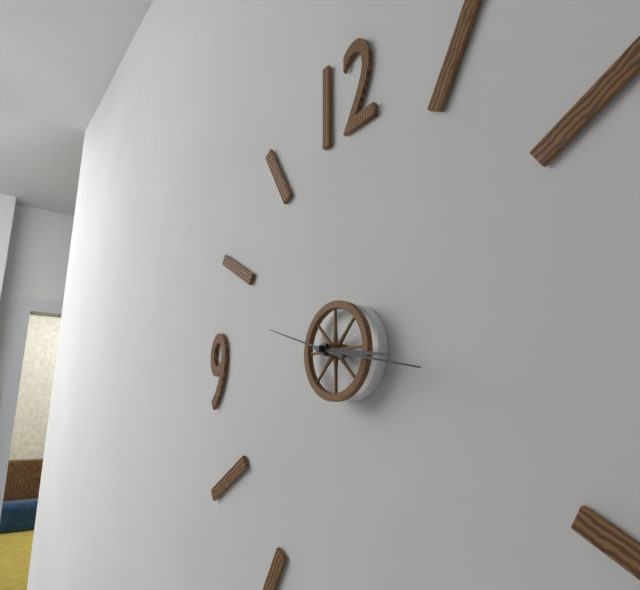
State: 3h17m48s
